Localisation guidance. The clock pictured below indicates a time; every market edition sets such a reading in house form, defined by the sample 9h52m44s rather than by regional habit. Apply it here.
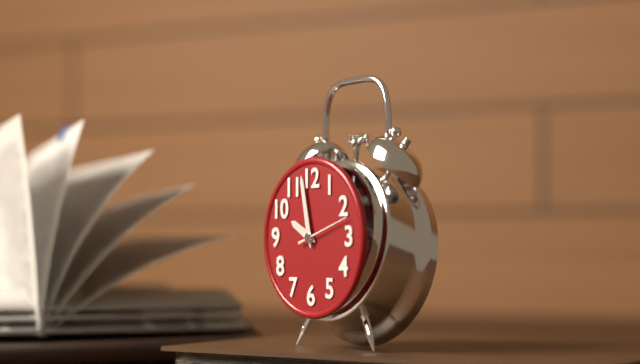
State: 9h58m12s
